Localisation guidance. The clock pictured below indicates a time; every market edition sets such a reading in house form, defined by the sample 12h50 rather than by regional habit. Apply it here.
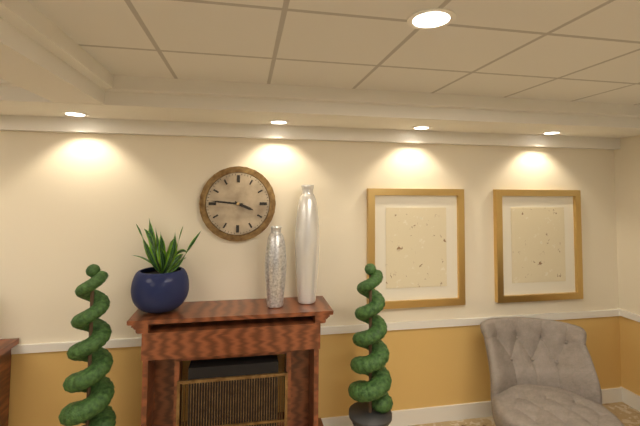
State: 3h46
